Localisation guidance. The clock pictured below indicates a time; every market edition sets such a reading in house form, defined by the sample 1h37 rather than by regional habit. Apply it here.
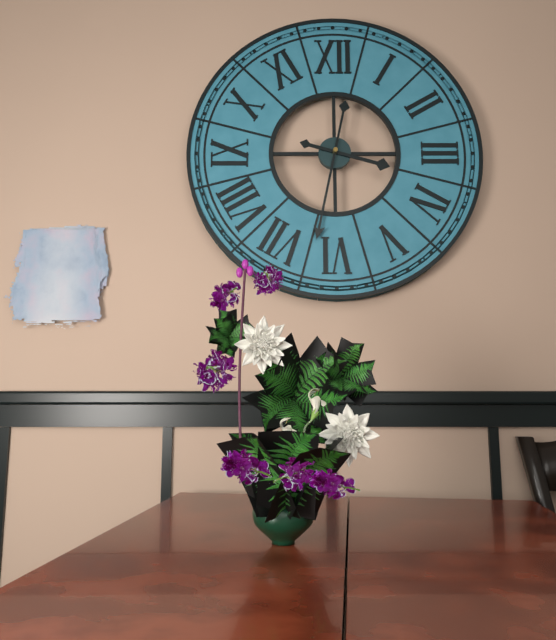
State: 3h32
